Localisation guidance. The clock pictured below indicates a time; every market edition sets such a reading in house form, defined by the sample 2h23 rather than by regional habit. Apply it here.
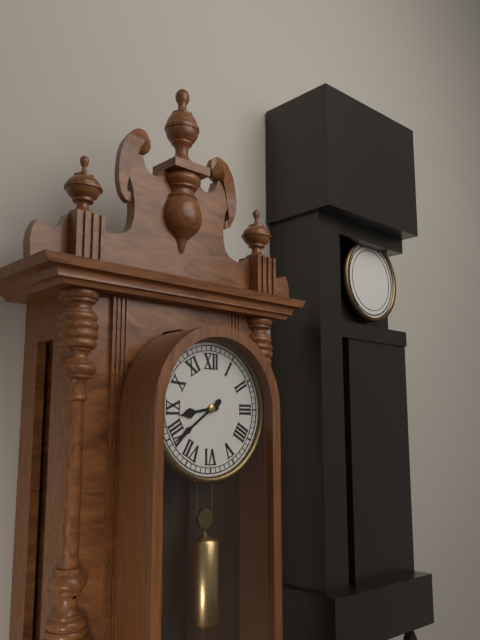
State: 8h39
